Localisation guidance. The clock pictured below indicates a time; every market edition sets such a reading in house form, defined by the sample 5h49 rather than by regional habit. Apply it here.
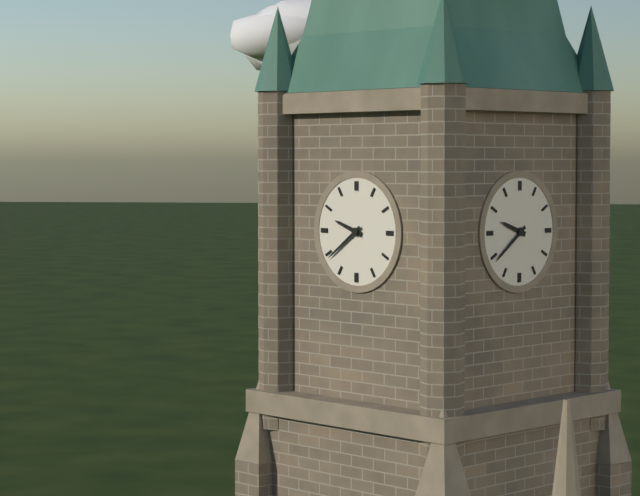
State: 9h39
